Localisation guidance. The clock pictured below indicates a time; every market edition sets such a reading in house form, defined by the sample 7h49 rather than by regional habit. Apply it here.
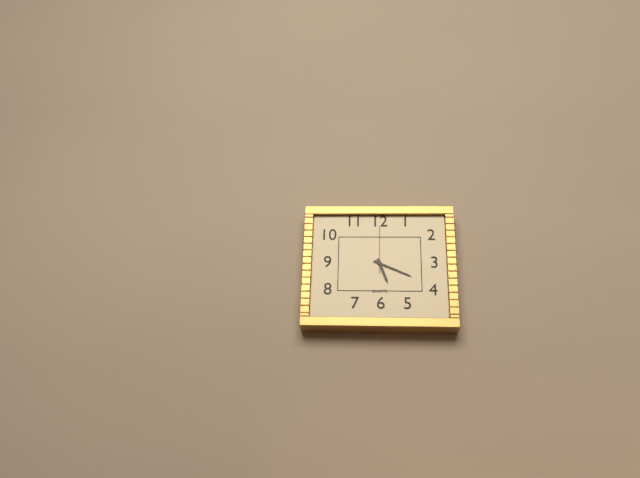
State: 5h19
